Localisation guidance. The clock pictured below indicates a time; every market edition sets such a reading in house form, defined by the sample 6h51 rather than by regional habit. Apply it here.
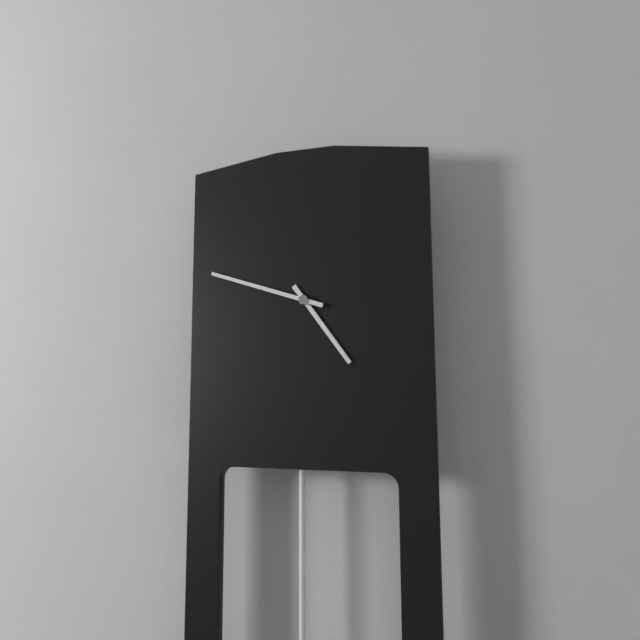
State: 4h48
